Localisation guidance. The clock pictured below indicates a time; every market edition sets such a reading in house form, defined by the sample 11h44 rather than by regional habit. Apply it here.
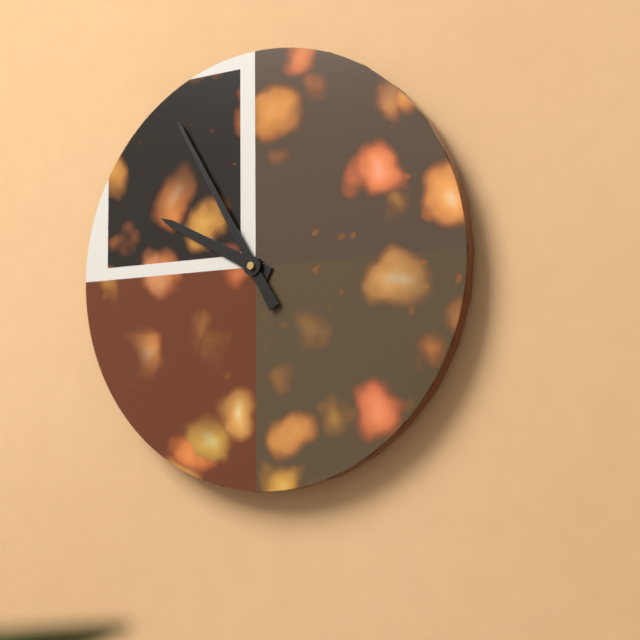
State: 9h55
